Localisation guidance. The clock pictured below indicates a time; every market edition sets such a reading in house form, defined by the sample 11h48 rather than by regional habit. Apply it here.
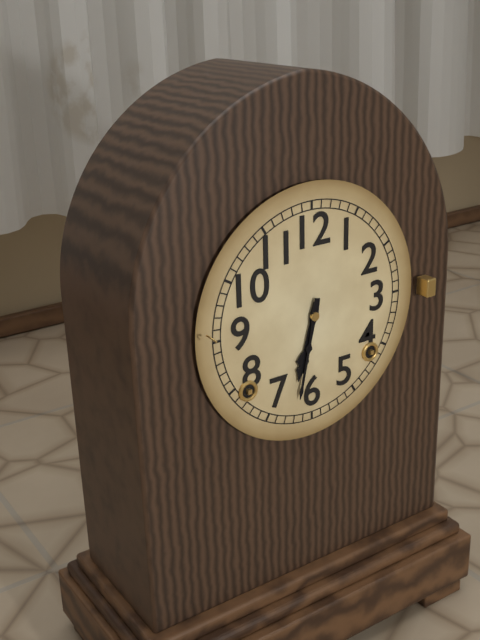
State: 6h32
